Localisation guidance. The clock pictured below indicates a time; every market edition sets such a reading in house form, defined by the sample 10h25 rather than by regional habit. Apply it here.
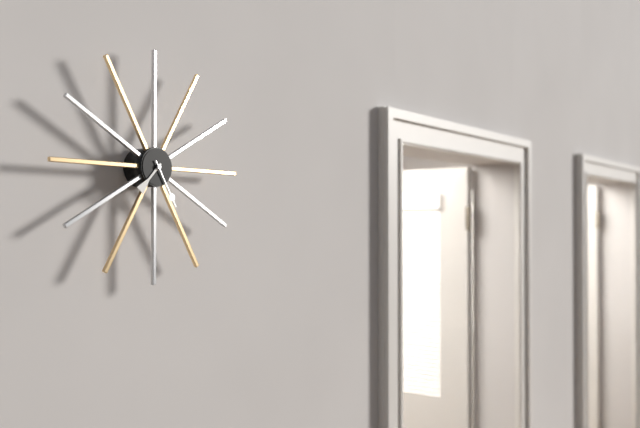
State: 7h25
